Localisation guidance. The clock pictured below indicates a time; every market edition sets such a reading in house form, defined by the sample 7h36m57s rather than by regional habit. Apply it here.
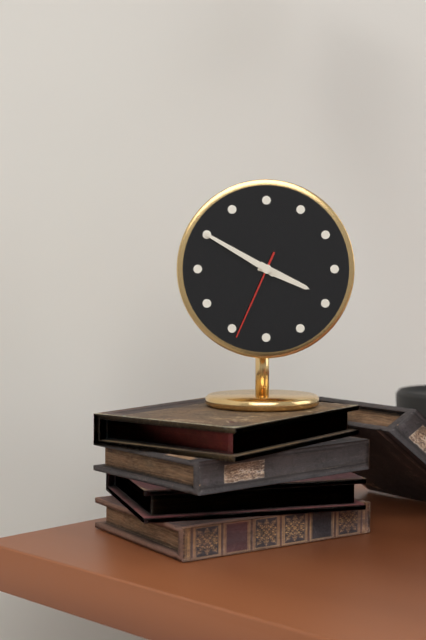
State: 3h50m34s
